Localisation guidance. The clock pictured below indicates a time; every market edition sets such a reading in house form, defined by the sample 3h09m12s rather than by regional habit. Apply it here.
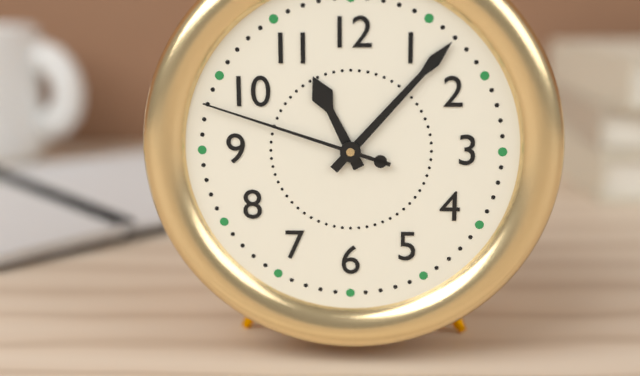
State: 11h07m48s
